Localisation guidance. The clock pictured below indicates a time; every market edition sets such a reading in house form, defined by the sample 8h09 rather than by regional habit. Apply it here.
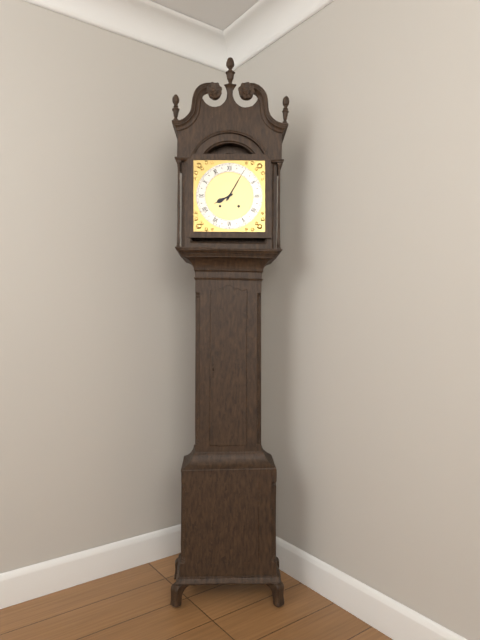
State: 8h05
